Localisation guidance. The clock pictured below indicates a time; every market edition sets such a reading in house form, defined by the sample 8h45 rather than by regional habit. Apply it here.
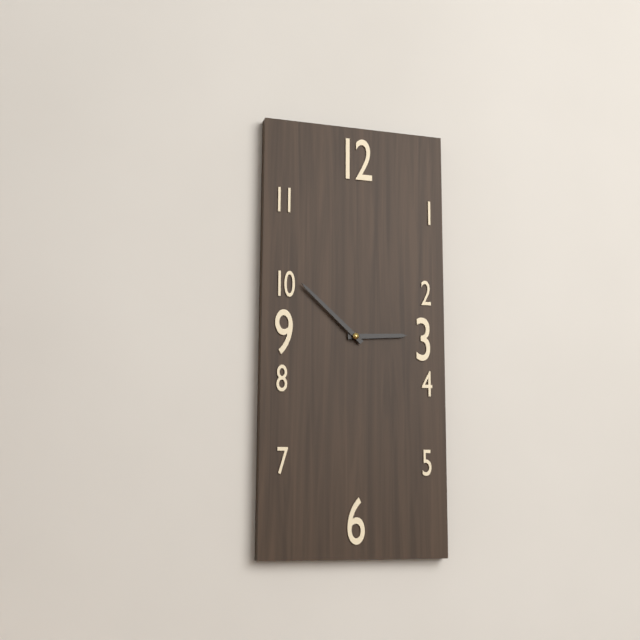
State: 2h52
